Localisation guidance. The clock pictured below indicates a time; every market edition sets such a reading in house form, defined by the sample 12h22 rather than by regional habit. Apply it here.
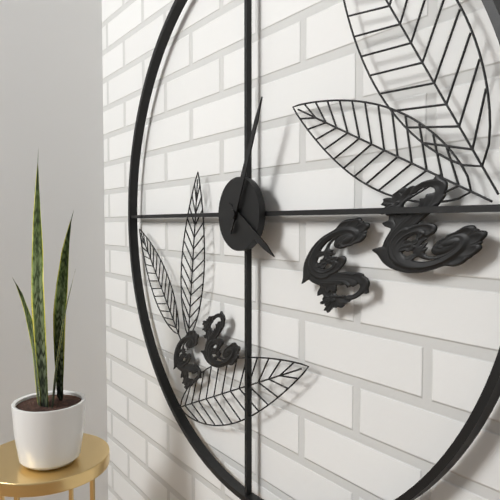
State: 4h04
